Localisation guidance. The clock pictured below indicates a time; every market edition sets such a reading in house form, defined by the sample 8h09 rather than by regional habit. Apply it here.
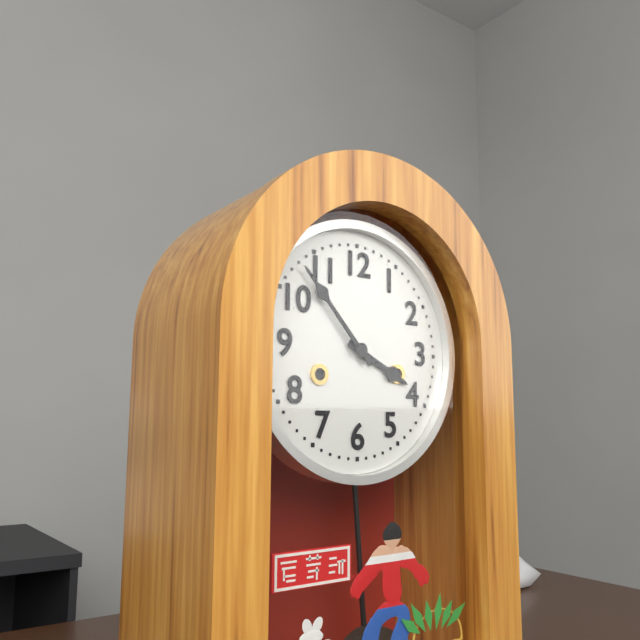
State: 3h53
